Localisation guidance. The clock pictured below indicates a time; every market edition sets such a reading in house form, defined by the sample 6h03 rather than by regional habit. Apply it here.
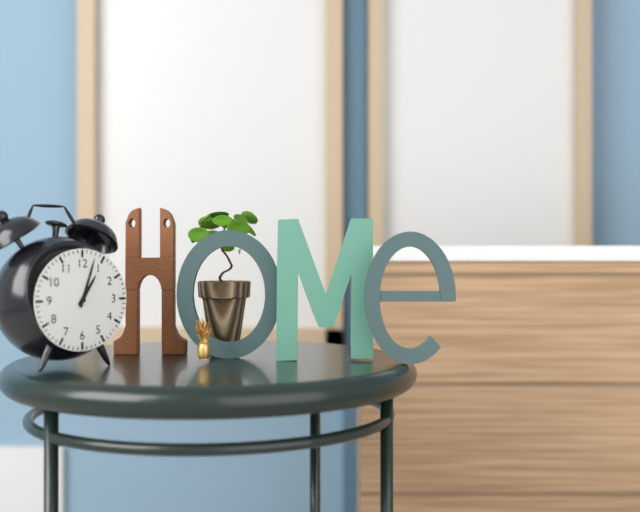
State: 1h03
